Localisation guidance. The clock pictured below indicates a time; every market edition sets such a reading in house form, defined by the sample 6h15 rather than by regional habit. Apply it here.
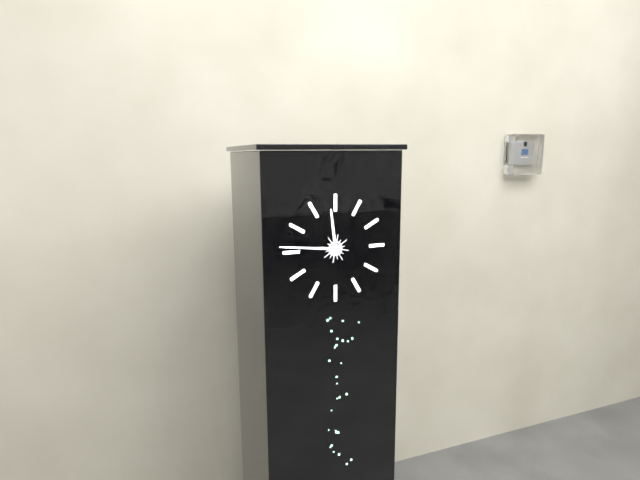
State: 11h46
